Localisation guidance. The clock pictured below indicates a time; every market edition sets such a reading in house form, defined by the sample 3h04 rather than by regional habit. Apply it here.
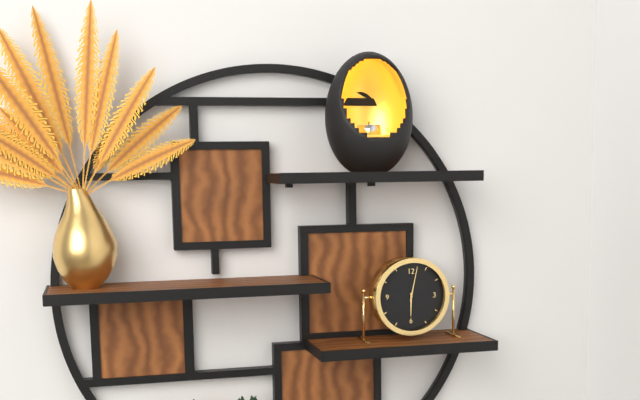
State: 6h02
